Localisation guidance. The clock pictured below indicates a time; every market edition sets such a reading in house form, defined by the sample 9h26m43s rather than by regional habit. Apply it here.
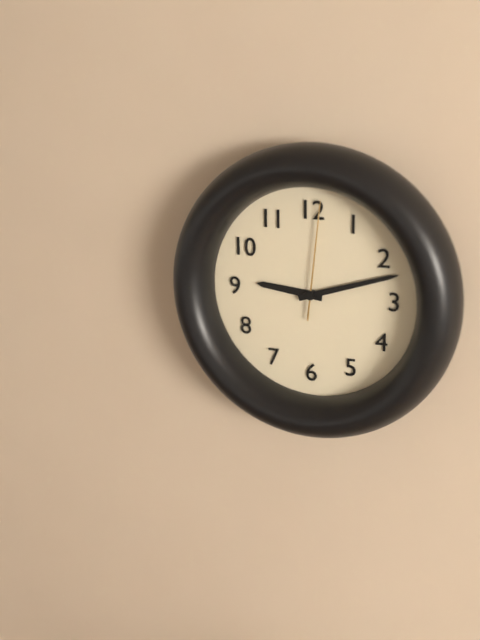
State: 9h12m01s
